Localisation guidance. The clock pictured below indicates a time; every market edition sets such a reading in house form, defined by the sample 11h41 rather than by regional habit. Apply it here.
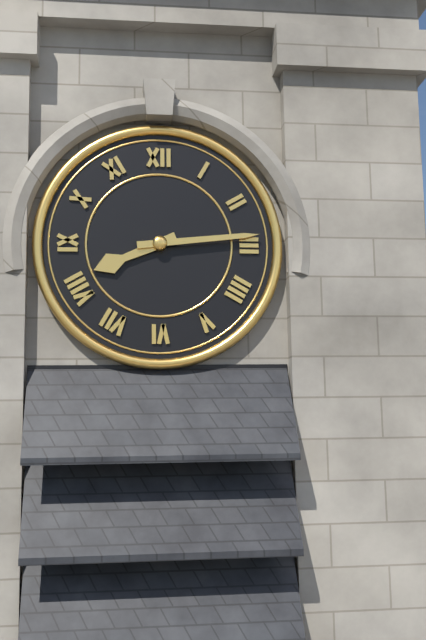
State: 8h14
